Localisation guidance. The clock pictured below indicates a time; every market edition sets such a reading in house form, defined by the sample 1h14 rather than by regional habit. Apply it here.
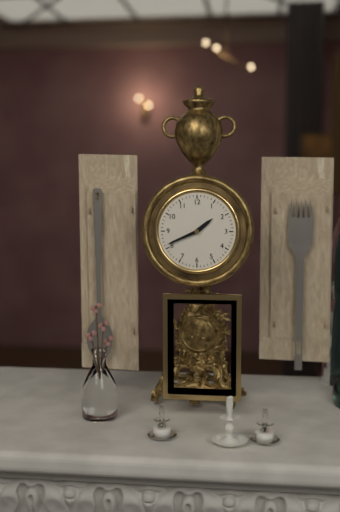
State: 1h41
